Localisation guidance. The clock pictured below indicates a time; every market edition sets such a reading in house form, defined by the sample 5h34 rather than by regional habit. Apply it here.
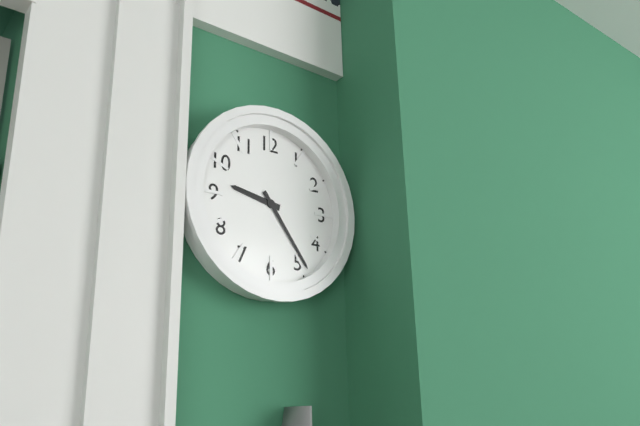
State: 9h24
